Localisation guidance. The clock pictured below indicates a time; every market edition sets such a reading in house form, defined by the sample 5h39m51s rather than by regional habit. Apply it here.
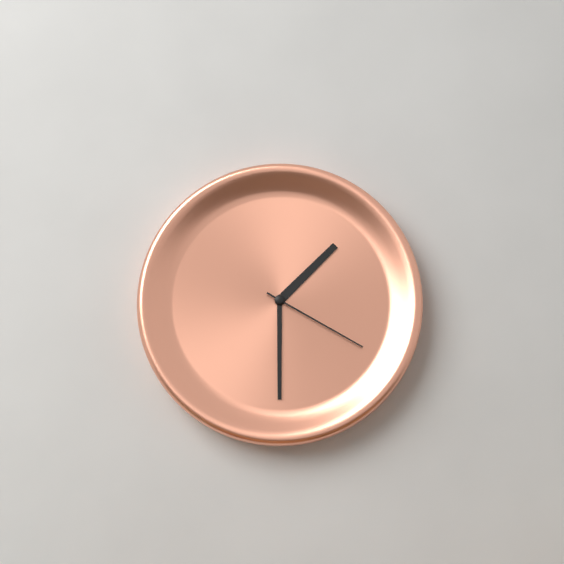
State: 1h30m20s
